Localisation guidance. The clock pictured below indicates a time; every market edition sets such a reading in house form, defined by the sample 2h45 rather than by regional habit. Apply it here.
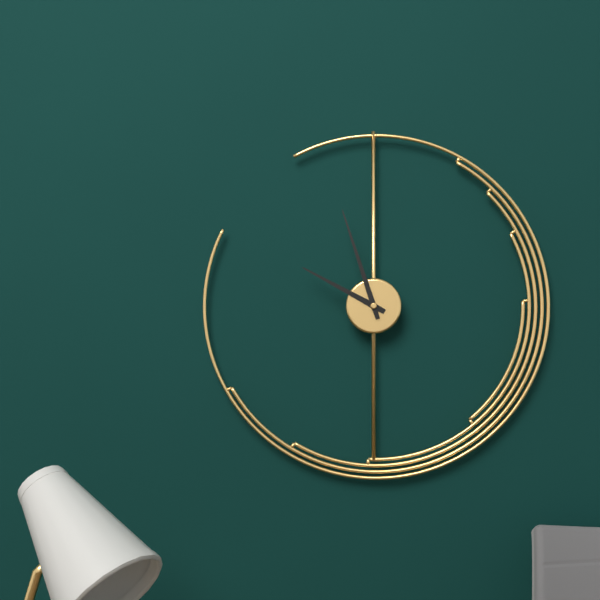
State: 9h57
